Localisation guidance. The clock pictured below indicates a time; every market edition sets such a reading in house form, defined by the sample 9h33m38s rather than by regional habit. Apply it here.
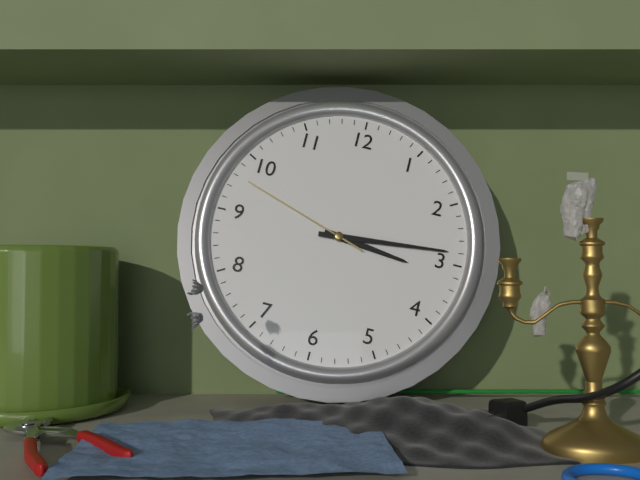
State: 3h14m48s
